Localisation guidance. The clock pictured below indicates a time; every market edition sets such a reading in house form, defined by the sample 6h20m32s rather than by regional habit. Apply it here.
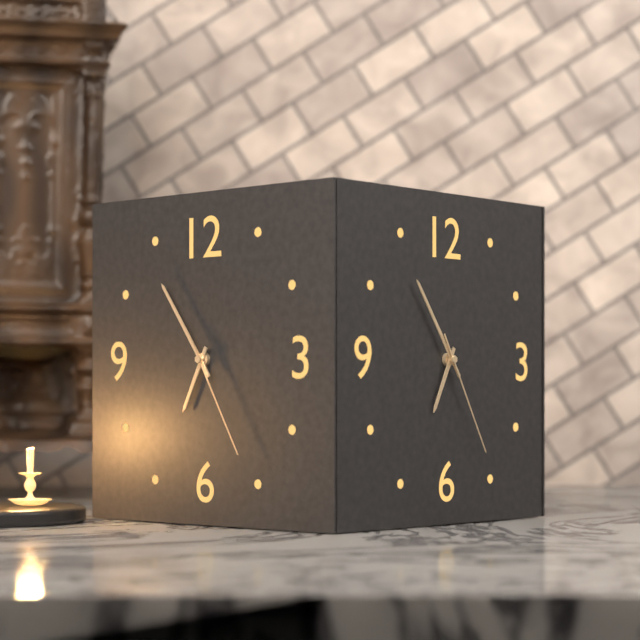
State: 6h54m25s
